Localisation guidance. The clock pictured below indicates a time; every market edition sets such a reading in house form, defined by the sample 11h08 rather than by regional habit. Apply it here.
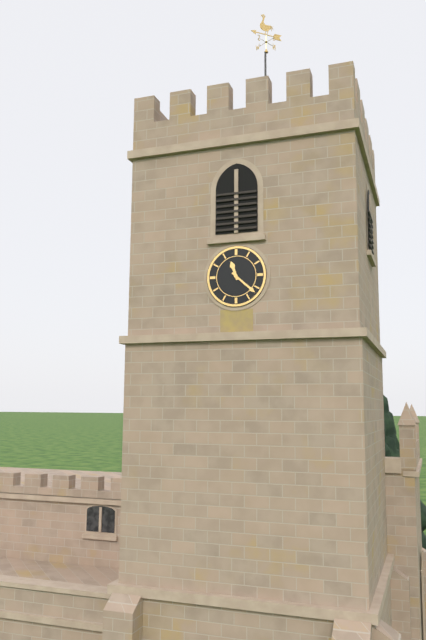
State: 11h22
